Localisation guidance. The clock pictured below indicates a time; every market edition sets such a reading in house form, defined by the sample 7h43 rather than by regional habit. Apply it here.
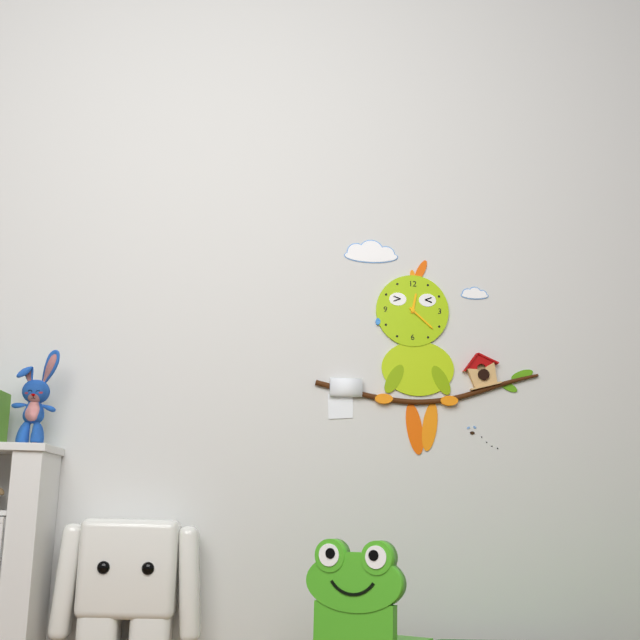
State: 12h22
